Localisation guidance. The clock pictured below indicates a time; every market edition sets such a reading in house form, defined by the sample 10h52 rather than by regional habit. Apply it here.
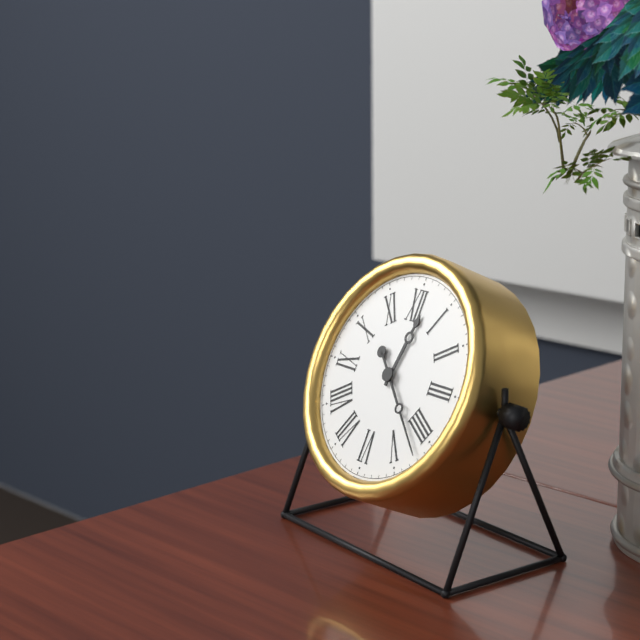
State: 12h22
